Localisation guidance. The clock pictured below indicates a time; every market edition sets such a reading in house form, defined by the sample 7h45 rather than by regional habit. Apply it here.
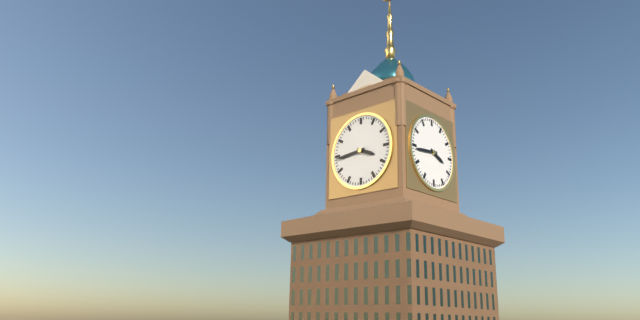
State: 3h44
